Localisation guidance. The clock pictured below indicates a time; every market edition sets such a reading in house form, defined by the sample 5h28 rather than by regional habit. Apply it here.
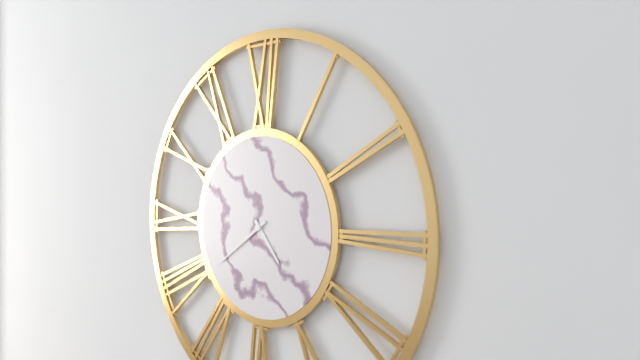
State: 4h39
